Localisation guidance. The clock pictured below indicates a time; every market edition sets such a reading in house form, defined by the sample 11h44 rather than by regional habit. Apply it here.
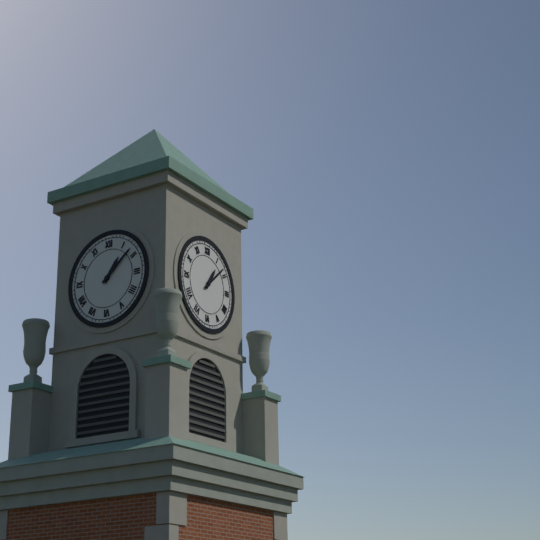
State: 1h08
